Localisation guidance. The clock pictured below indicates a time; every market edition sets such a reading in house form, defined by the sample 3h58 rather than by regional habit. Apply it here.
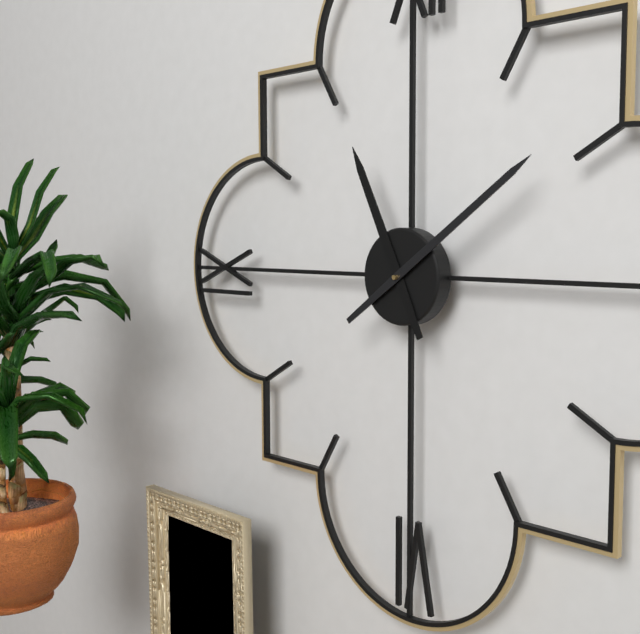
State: 11h09
